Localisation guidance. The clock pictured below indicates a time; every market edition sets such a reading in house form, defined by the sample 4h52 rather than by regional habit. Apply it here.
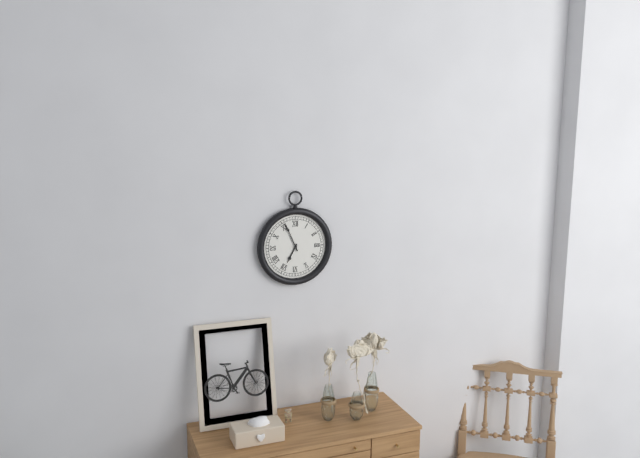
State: 6h56
